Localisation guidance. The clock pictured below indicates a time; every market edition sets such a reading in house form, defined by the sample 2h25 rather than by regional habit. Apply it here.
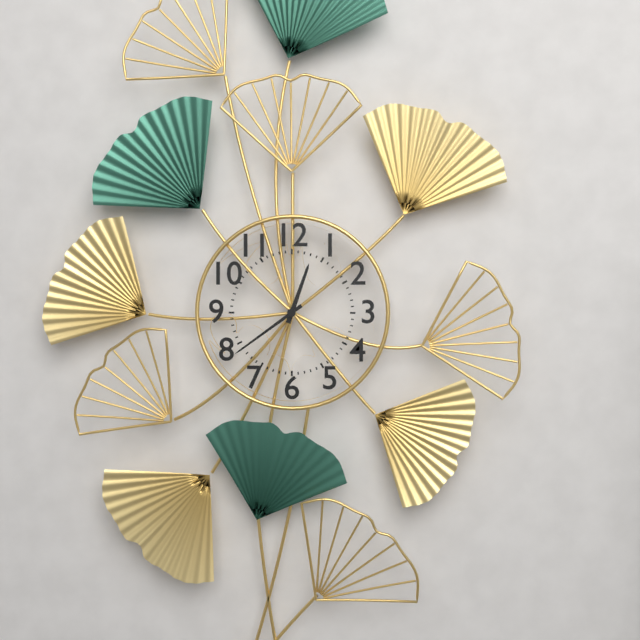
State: 12h39
